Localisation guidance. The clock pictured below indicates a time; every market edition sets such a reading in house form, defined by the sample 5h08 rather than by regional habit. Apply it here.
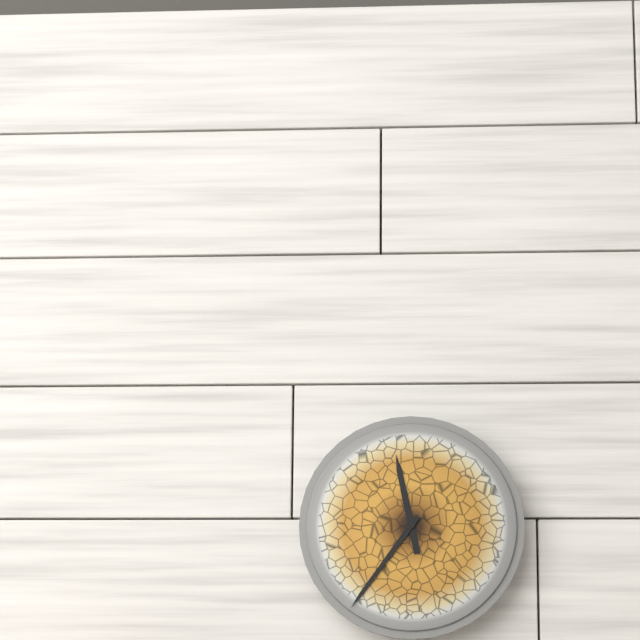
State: 11h36
